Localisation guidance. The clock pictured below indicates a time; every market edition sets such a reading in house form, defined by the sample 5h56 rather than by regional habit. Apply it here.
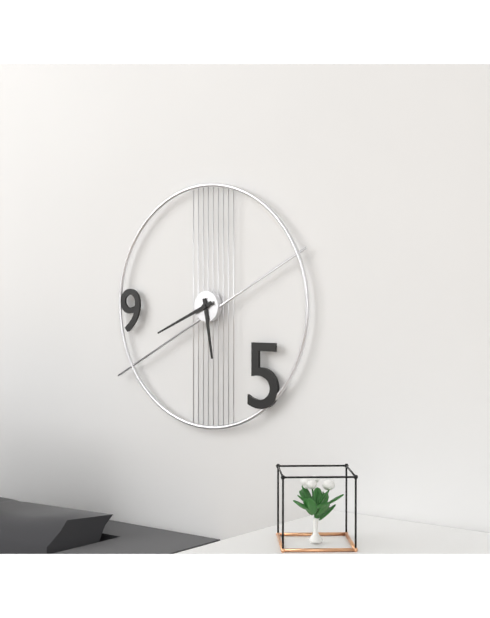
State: 5h41
